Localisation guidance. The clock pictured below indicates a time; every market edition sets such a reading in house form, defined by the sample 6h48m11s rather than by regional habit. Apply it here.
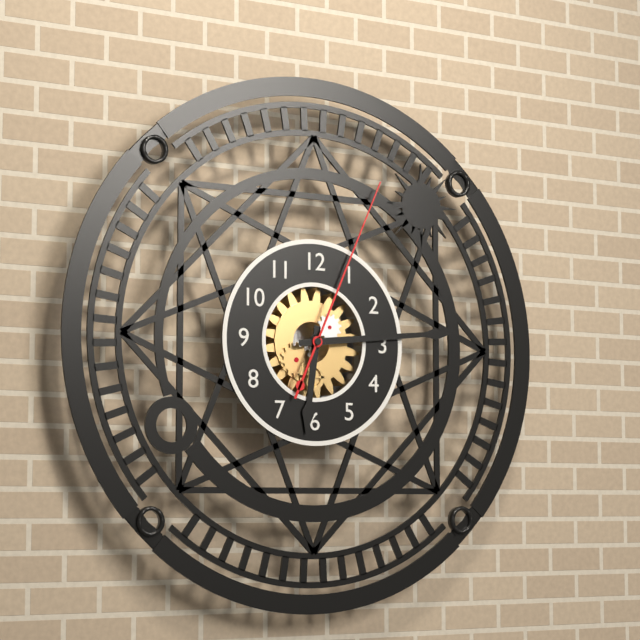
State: 6h14m04s
